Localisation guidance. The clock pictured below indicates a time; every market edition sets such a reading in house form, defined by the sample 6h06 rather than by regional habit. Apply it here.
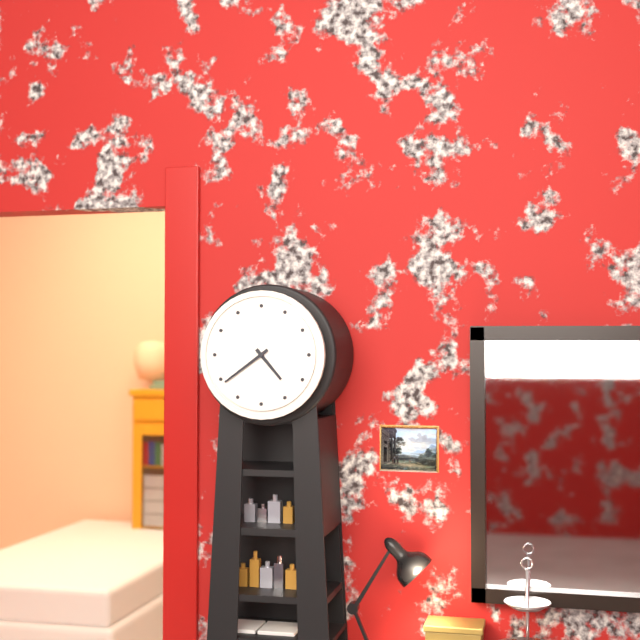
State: 4h39
